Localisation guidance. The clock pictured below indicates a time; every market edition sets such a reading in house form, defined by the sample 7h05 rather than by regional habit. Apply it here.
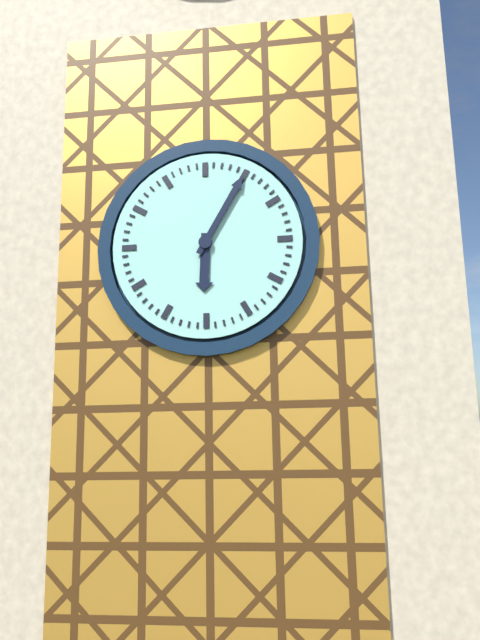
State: 6h05
